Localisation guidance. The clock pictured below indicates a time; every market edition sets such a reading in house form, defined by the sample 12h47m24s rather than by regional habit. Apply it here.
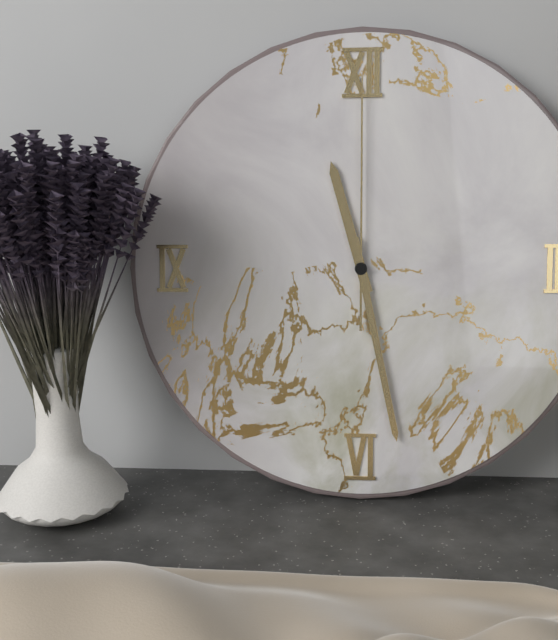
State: 11h28m00s
